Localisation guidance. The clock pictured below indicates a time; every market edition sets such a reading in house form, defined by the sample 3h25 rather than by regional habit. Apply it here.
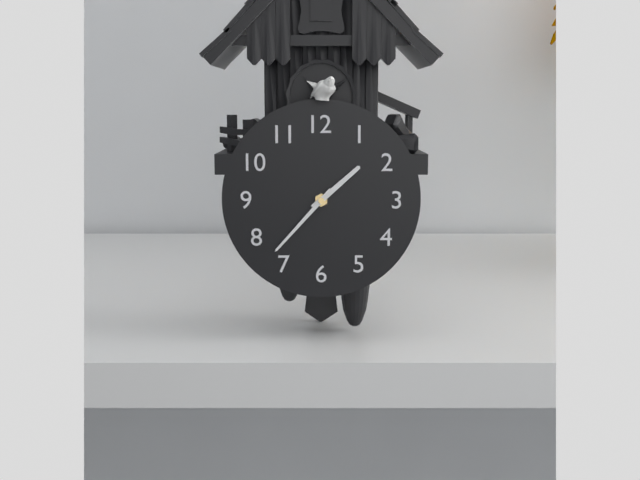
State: 1h37
